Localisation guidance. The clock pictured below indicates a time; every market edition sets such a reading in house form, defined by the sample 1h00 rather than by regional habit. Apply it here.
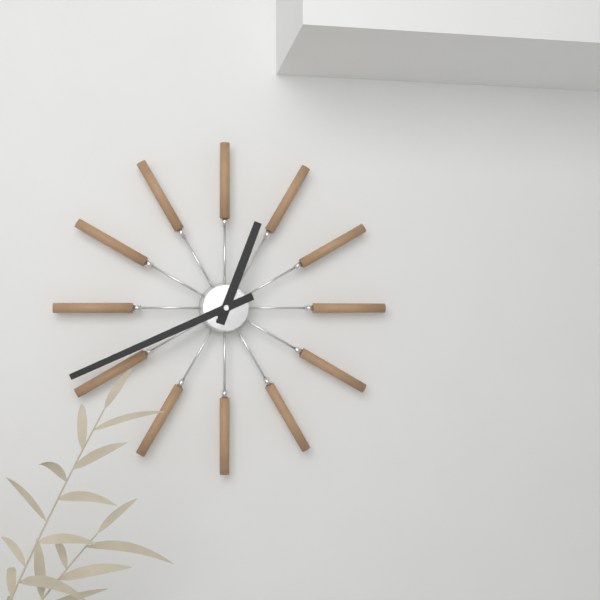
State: 12h41
